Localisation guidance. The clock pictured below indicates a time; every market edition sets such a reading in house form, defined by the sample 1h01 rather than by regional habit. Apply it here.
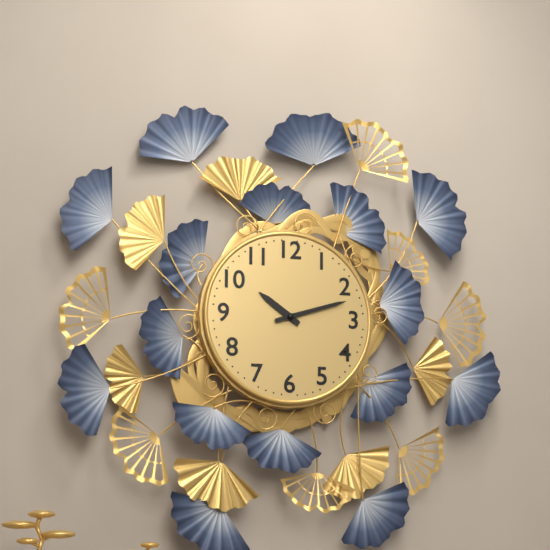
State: 10h12
